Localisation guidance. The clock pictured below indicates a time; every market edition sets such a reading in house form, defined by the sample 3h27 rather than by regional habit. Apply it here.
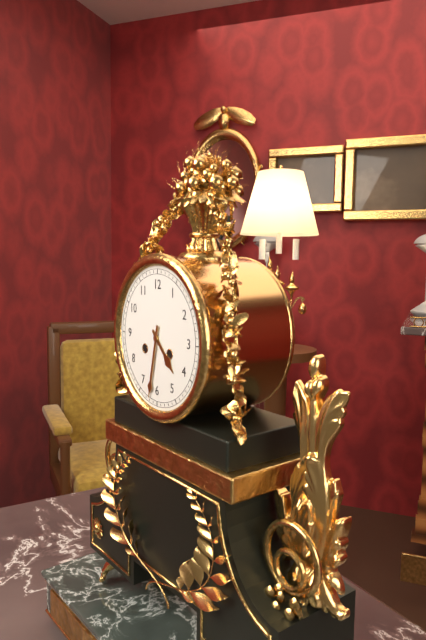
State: 4h32
